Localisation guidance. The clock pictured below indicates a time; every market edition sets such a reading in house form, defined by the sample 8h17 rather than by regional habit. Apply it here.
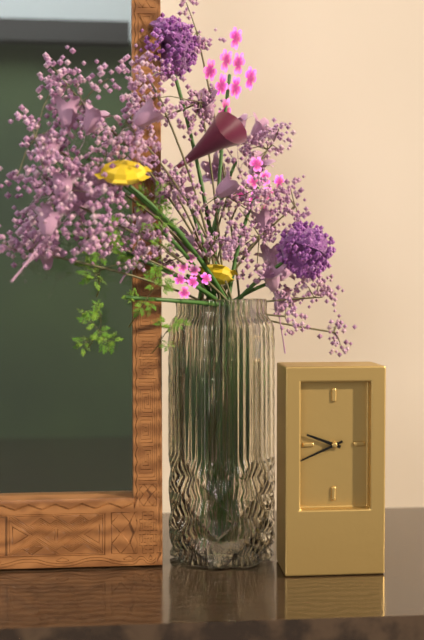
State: 9h41
